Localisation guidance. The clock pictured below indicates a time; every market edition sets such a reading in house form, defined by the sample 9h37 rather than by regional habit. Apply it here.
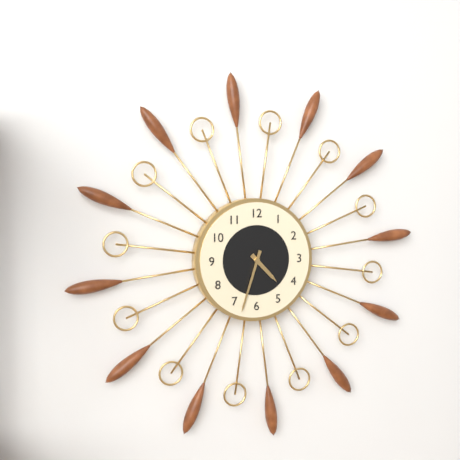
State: 4h33
